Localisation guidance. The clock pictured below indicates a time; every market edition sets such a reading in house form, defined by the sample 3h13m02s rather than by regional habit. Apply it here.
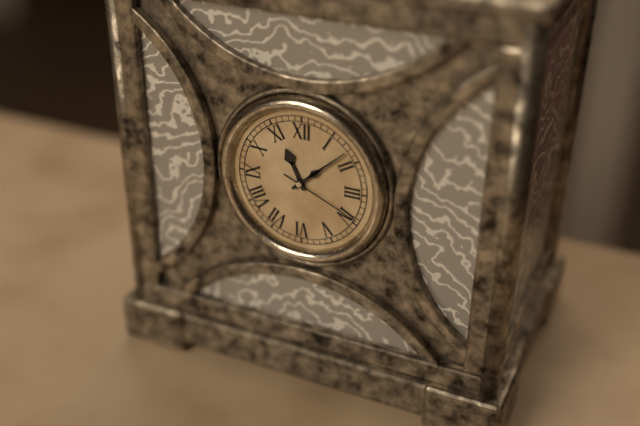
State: 11h08m19s
